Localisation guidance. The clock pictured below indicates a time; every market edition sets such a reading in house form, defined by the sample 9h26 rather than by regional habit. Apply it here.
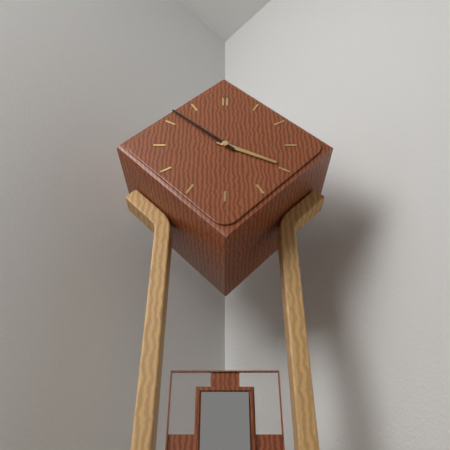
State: 3h52
